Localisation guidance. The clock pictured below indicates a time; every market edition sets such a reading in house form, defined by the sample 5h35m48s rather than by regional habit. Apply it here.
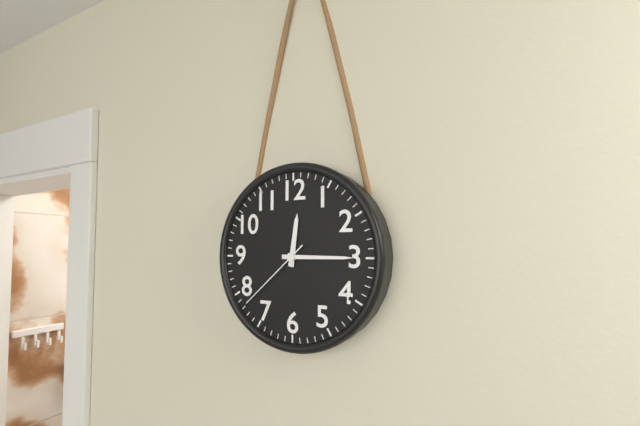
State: 12h15m38s
